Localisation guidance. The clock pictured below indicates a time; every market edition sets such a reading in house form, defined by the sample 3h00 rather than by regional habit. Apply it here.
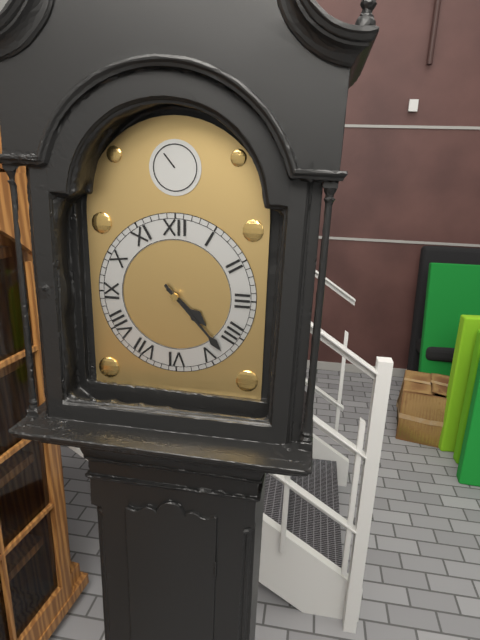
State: 4h23
